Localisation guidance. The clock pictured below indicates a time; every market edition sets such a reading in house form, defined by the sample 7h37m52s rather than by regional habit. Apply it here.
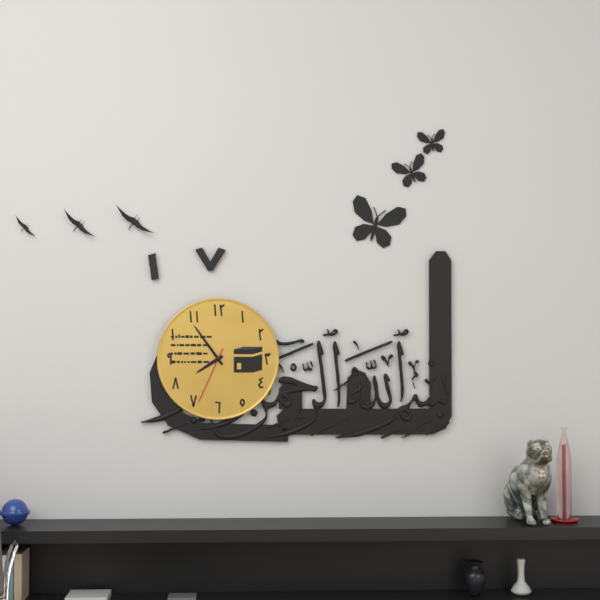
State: 7h54m34s
